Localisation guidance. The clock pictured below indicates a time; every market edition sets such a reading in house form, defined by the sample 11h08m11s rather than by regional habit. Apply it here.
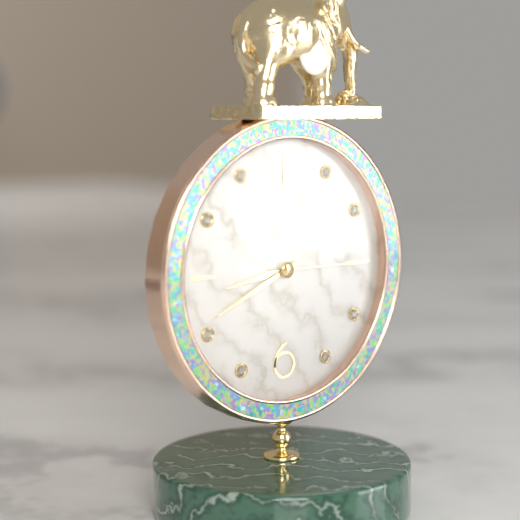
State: 8h41m15s
